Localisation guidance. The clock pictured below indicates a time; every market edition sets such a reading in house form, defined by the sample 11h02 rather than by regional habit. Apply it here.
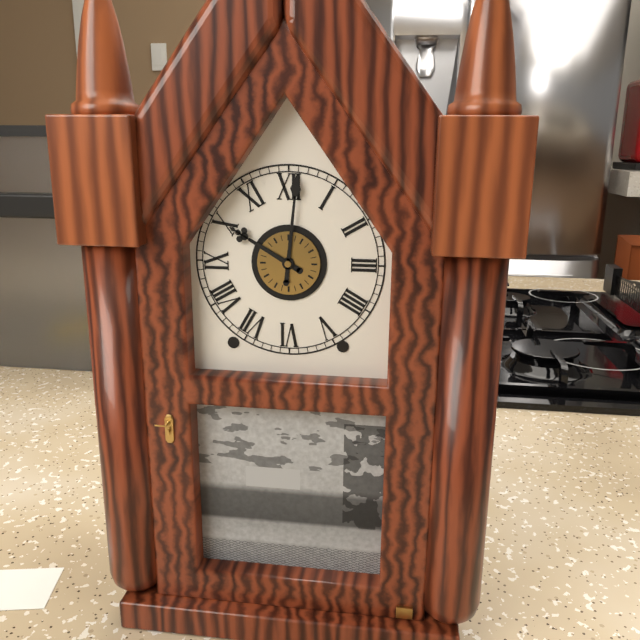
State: 10h01
